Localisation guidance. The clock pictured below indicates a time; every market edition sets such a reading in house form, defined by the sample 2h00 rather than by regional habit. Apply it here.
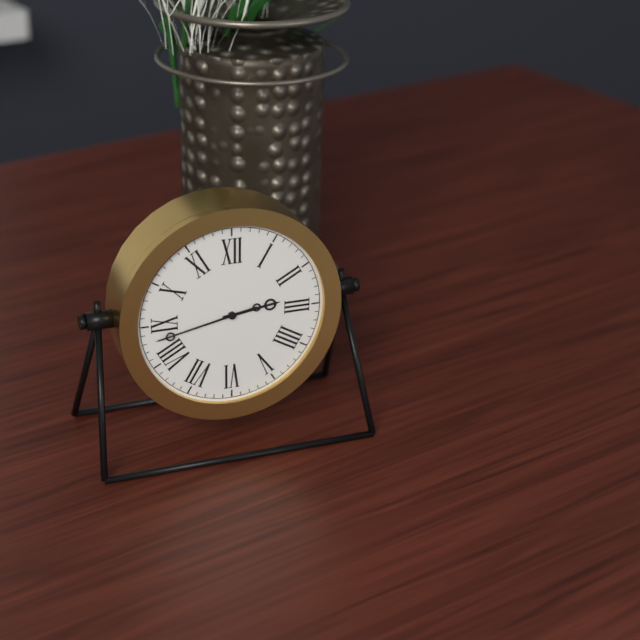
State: 2h43
